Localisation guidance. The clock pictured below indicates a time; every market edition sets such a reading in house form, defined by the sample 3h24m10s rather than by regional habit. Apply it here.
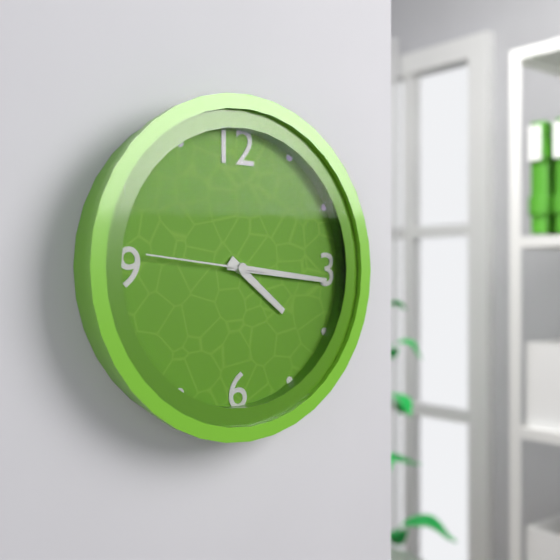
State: 4h16m46s
